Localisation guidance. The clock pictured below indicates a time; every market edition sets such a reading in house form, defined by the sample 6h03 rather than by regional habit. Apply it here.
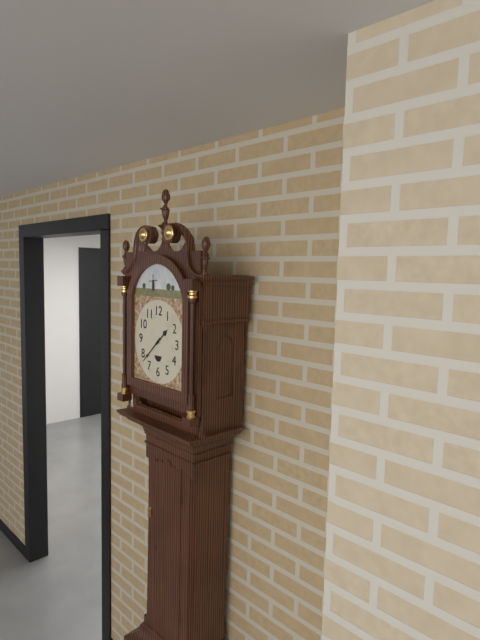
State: 1h38
